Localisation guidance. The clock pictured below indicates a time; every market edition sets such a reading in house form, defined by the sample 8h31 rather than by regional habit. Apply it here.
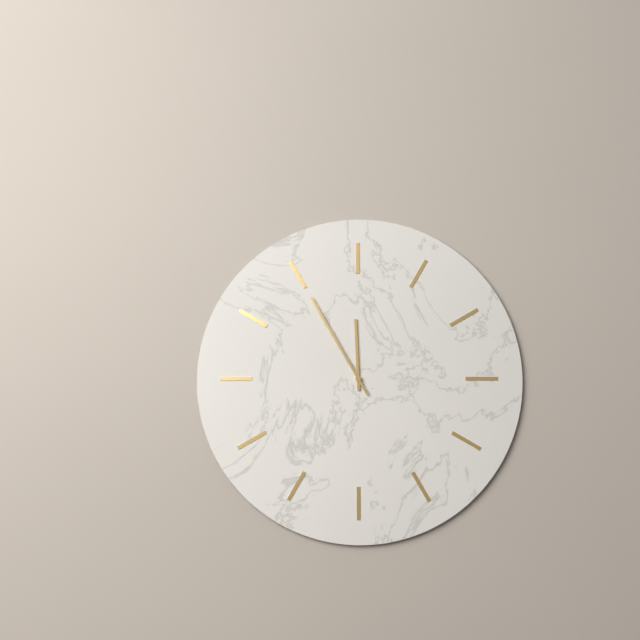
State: 11h55
